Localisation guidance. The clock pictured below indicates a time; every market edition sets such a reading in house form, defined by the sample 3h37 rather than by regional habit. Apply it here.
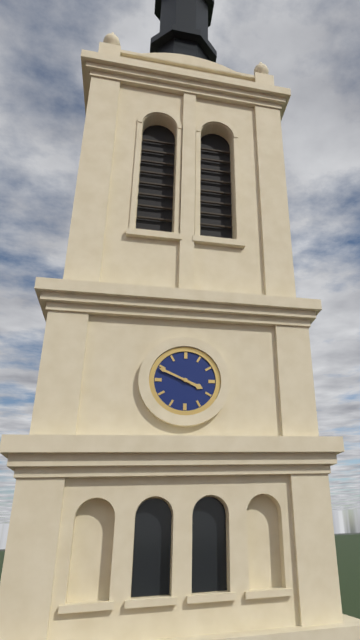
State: 3h49
